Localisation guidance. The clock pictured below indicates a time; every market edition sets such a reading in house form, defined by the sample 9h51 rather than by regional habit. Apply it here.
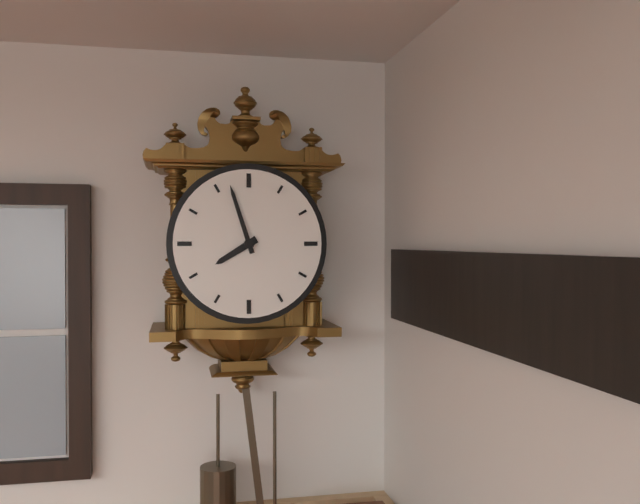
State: 7h57
